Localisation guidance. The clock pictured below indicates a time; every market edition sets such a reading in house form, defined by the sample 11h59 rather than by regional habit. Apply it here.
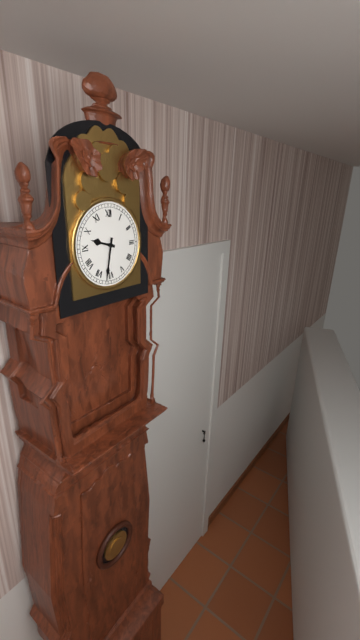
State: 9h32
